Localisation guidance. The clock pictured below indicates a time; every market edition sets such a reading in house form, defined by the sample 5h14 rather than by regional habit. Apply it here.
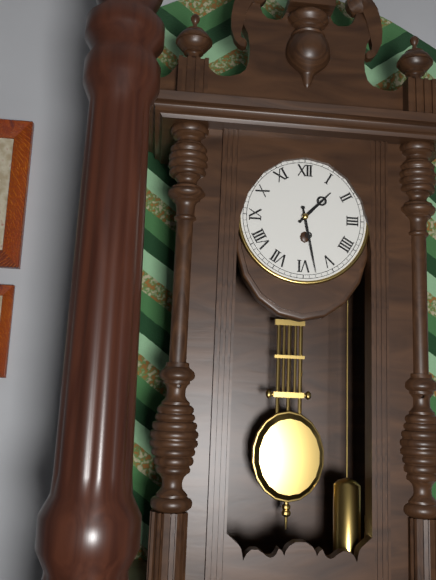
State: 1h28
